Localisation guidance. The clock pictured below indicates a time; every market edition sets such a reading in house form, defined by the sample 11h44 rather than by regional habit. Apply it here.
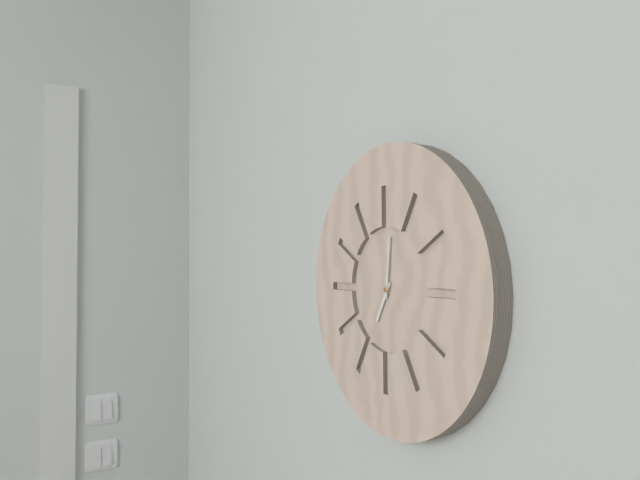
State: 7h01
